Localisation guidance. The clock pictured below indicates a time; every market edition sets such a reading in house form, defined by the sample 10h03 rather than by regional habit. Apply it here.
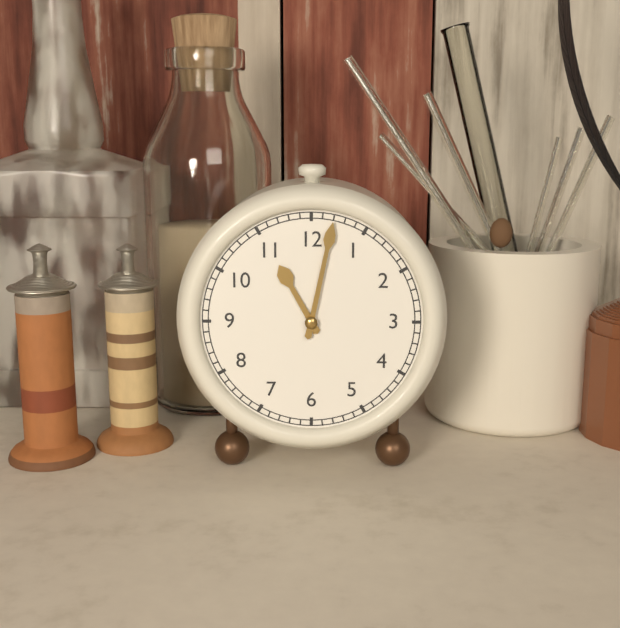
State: 11h02
